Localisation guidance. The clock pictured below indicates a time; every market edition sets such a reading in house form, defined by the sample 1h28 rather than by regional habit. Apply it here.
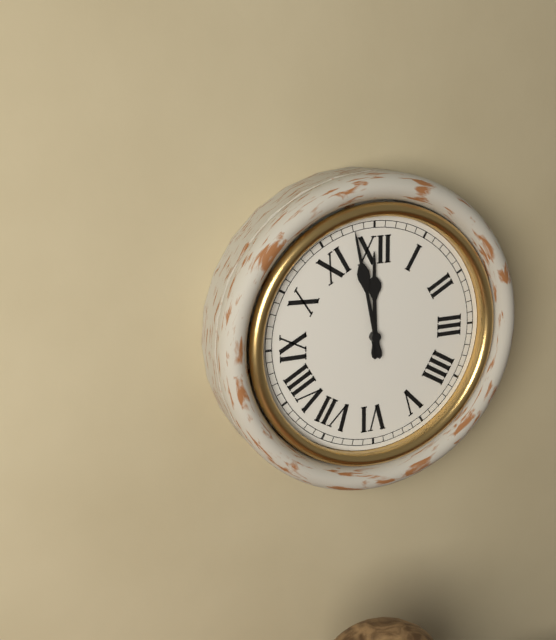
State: 11h58
